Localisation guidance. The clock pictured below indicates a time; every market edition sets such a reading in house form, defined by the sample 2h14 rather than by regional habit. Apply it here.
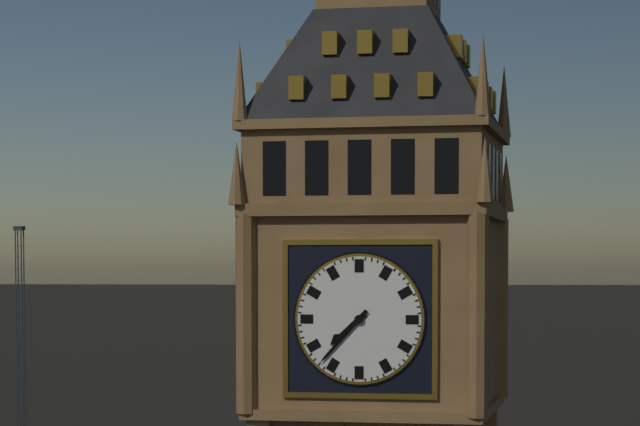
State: 7h37
